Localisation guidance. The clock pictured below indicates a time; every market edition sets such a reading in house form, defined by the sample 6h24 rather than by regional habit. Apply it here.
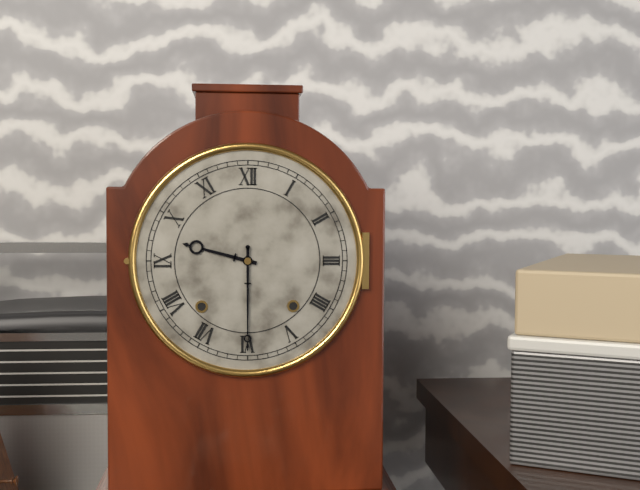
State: 9h30
